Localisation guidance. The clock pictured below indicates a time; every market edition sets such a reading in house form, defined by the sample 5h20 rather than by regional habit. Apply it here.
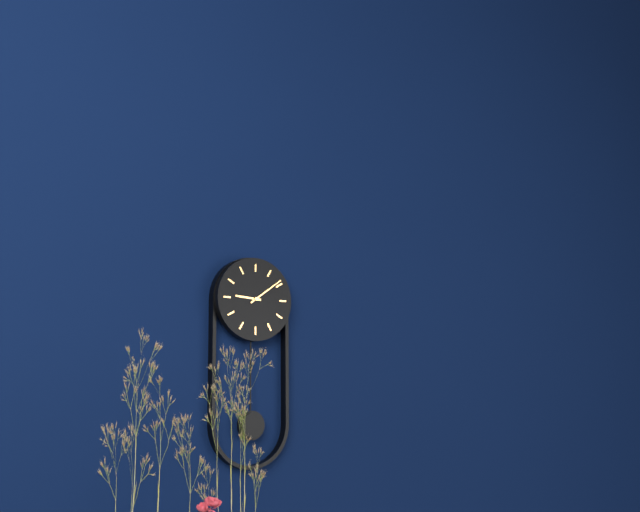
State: 9h09
